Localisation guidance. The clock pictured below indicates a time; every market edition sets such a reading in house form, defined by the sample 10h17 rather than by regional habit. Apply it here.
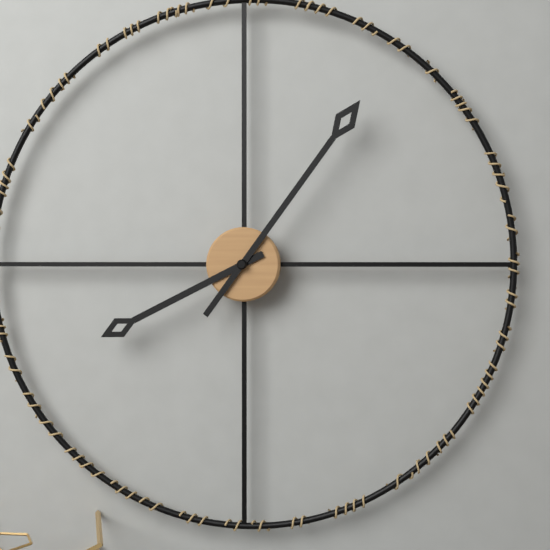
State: 8h06
